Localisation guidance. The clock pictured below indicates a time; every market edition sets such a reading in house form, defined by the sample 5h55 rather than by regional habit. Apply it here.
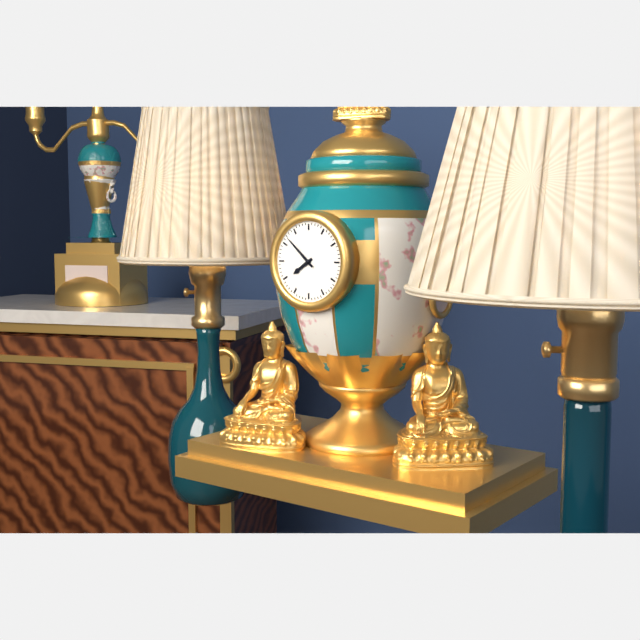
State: 7h52
